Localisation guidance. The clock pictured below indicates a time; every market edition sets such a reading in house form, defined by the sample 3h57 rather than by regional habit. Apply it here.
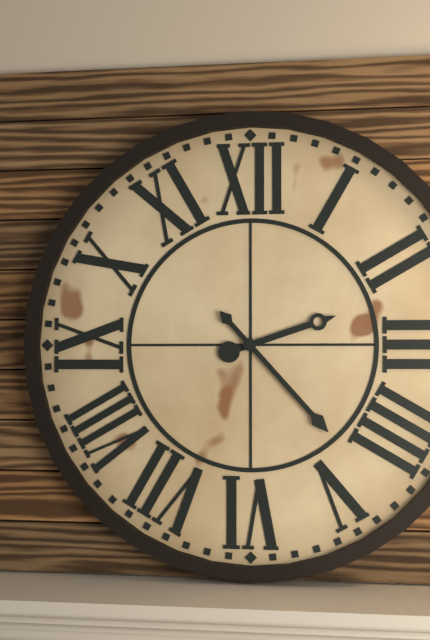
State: 2h23
